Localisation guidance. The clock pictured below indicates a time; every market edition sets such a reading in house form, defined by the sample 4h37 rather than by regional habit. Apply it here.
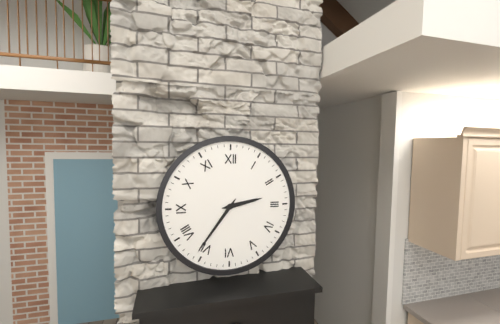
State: 2h36
